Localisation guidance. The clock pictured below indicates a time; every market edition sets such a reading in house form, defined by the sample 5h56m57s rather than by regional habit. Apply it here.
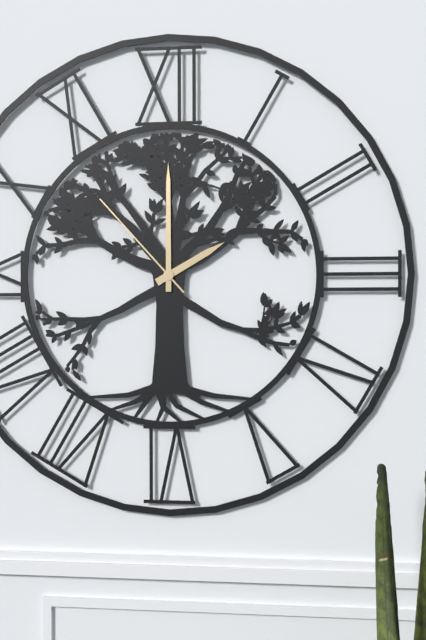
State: 2h00m53s
